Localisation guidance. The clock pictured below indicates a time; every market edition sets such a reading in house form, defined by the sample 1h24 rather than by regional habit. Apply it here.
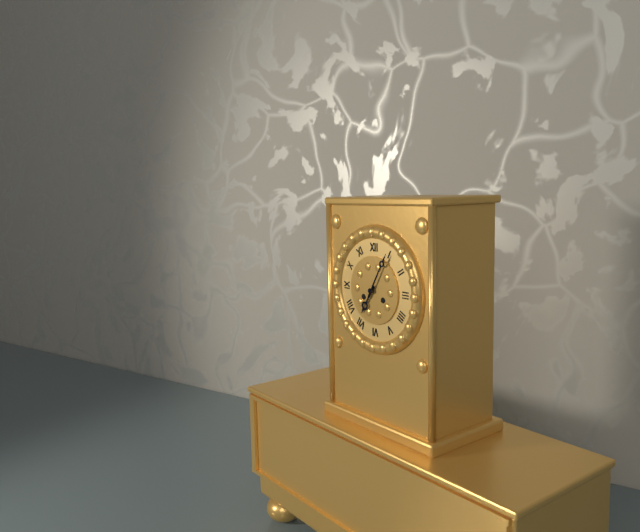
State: 7h05
